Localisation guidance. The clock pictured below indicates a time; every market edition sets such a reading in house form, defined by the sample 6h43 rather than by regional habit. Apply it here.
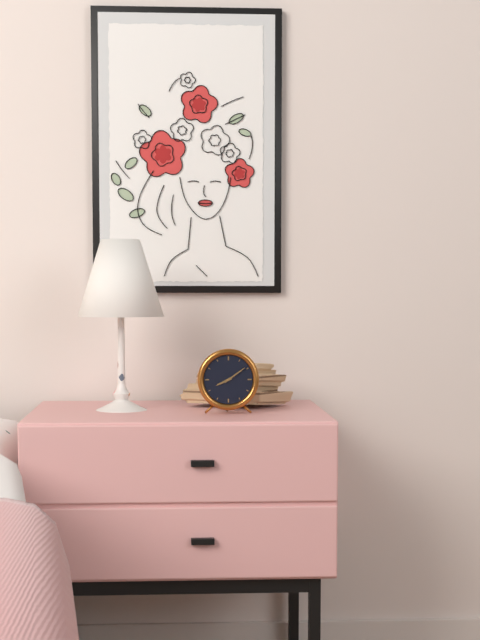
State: 8h09
